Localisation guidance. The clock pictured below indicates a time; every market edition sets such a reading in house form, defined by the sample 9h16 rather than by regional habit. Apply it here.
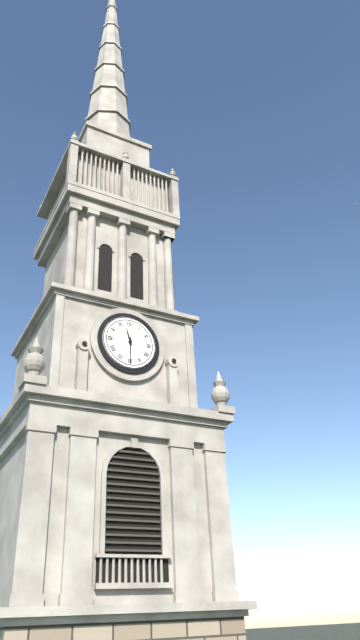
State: 11h30
